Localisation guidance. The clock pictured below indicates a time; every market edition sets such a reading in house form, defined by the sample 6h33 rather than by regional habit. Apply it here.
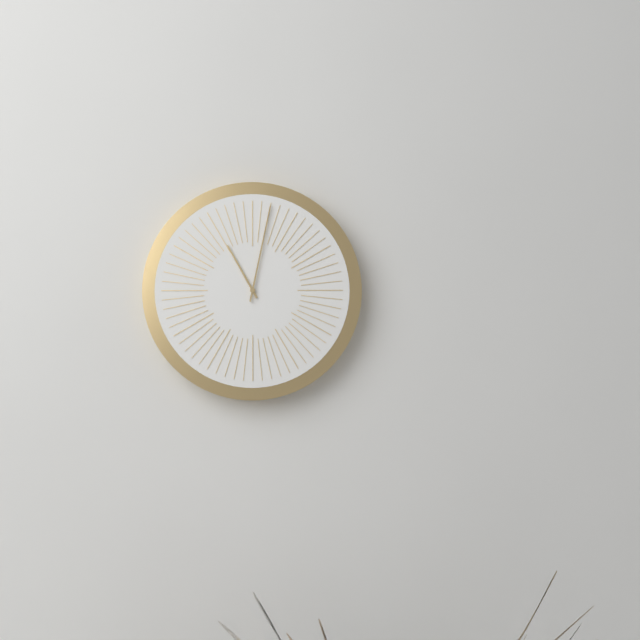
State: 11h02
